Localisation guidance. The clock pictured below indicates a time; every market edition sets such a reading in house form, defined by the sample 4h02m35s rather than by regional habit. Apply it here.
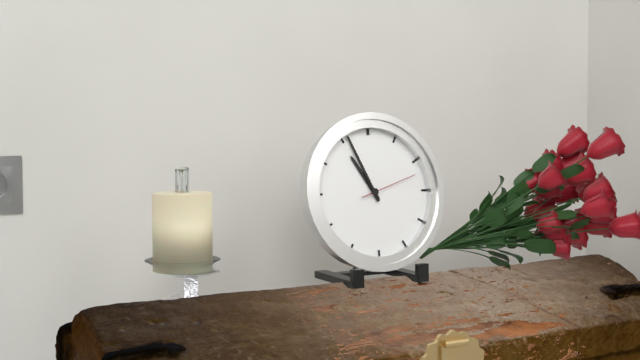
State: 10h56m12s
